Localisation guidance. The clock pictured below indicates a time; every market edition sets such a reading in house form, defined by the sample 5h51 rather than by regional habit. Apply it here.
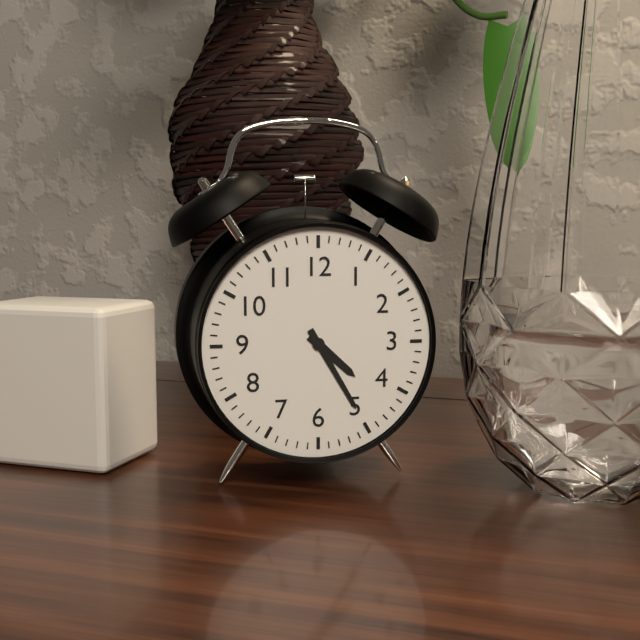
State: 4h25
